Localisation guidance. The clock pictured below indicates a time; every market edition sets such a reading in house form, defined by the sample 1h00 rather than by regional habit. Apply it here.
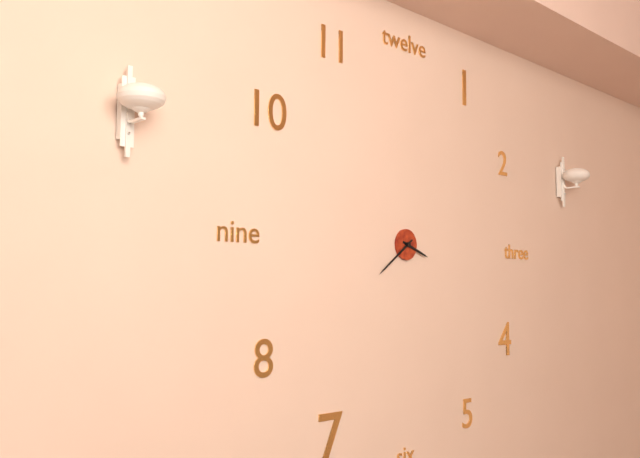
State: 3h39
